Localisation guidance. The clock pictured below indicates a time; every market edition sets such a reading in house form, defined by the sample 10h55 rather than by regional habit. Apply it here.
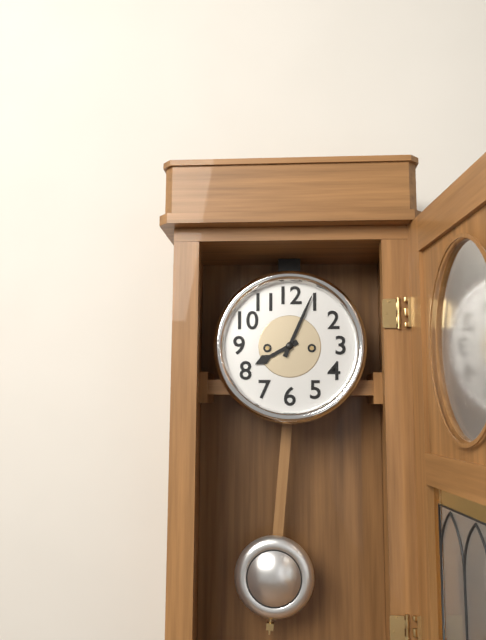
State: 8h04
